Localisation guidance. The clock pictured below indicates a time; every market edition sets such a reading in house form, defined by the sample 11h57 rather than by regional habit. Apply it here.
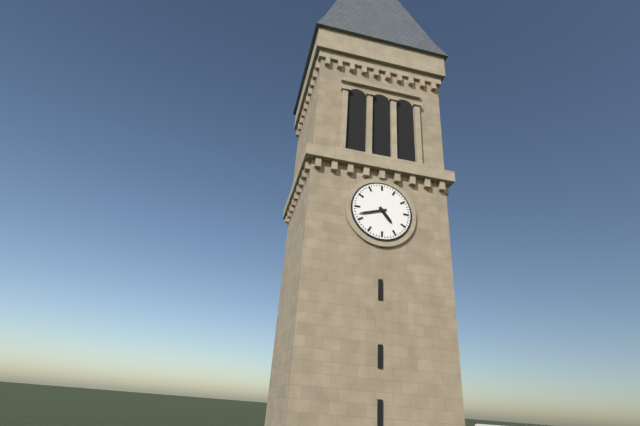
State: 4h42
